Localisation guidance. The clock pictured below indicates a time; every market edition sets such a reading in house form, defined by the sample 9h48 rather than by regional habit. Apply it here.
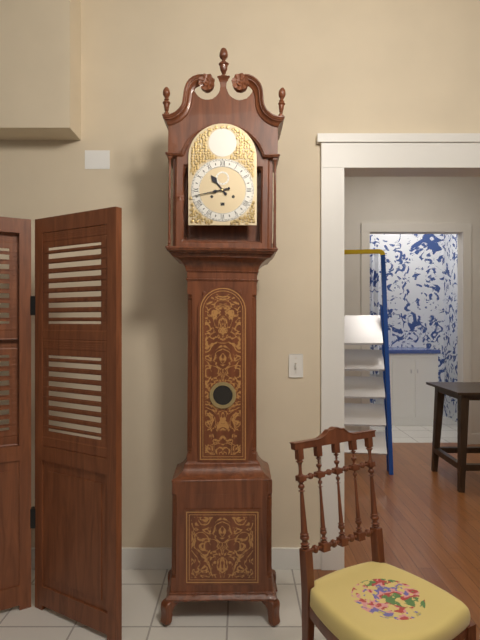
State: 10h43
